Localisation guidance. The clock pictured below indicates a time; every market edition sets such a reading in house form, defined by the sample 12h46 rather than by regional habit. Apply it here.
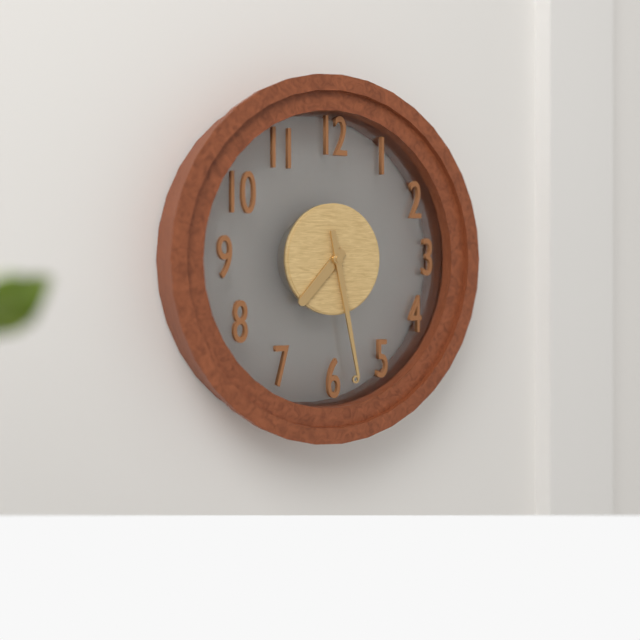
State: 7h28
